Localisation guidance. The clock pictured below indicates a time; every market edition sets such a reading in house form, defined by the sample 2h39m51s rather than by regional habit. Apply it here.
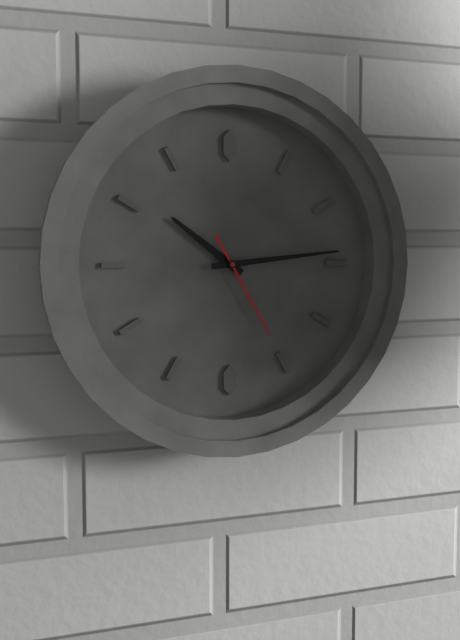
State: 10h14m25s
